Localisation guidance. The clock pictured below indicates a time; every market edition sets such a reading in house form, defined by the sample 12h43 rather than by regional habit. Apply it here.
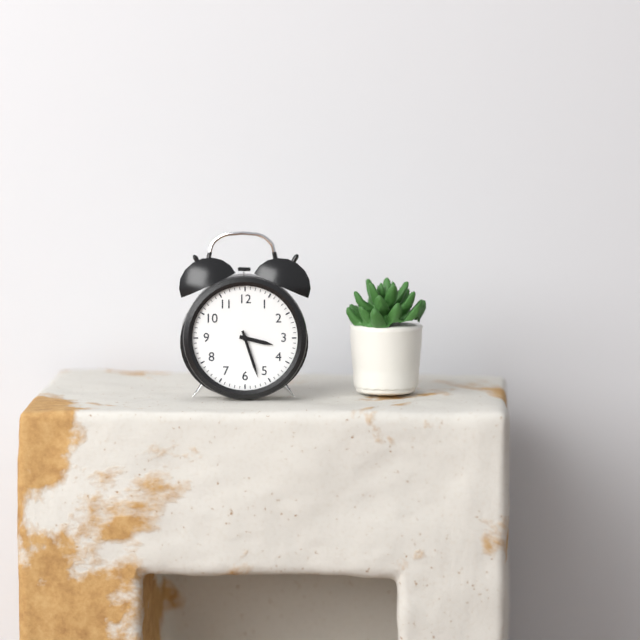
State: 3h27
